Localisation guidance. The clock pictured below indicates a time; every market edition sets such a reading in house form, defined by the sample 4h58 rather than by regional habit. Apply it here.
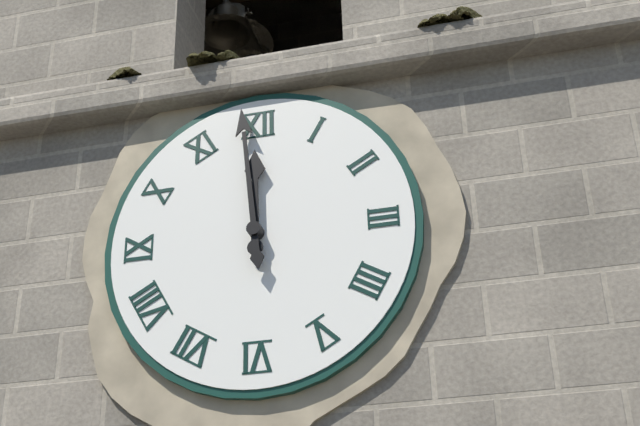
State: 11h59
